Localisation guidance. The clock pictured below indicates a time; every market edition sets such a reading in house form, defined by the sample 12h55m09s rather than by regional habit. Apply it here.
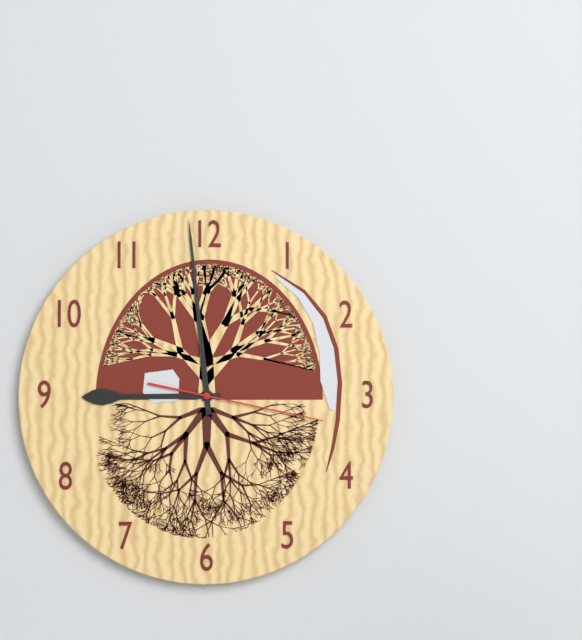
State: 8h59m17s
